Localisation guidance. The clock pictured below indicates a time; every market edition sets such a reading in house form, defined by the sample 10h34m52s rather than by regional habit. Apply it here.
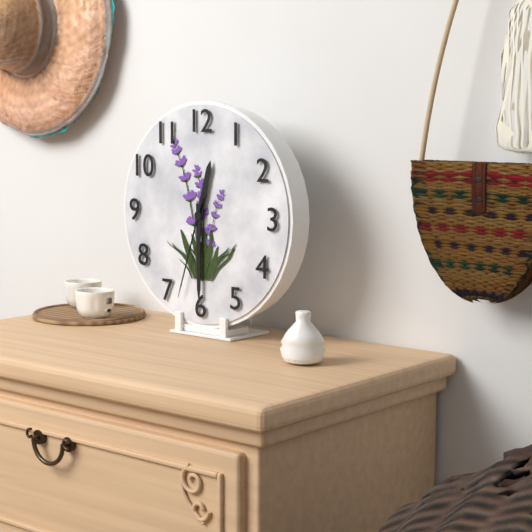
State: 12h30m33s
